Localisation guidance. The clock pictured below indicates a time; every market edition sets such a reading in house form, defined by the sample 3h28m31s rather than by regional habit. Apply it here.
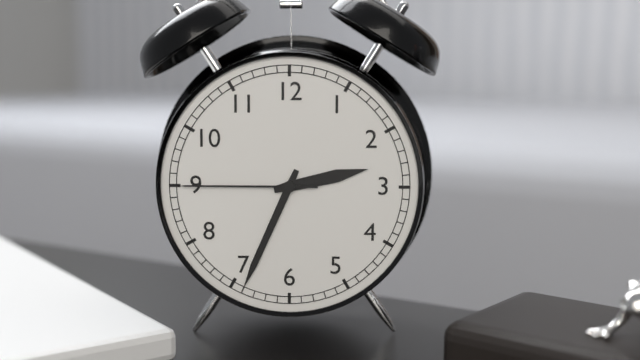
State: 2h34m45s
